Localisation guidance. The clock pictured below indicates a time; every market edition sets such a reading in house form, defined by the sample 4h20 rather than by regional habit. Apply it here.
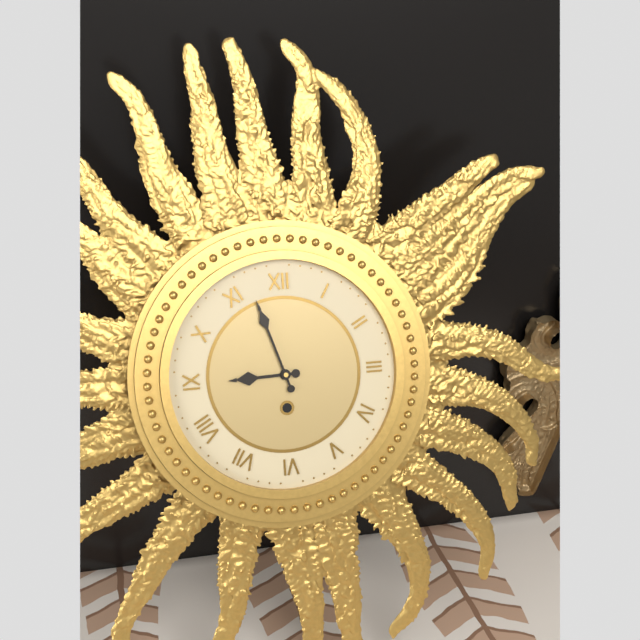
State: 8h57
